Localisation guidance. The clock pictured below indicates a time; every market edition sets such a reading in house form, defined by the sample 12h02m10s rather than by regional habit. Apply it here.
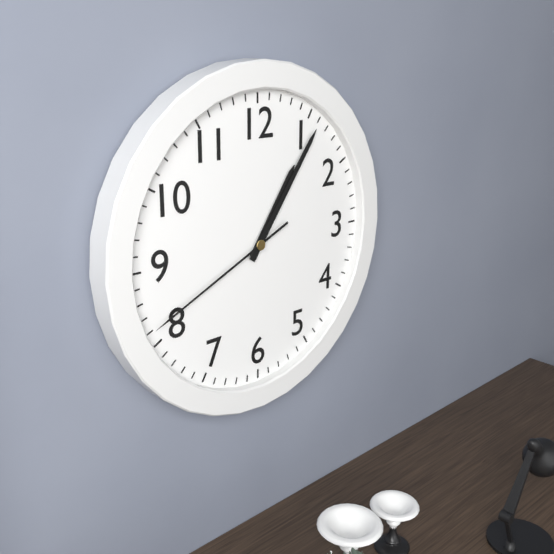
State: 1h06m41s
